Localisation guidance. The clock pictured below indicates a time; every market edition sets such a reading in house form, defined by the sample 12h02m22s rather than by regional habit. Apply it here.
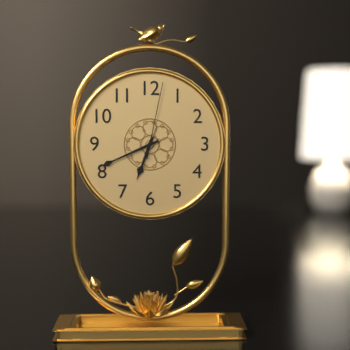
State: 6h41m02s
